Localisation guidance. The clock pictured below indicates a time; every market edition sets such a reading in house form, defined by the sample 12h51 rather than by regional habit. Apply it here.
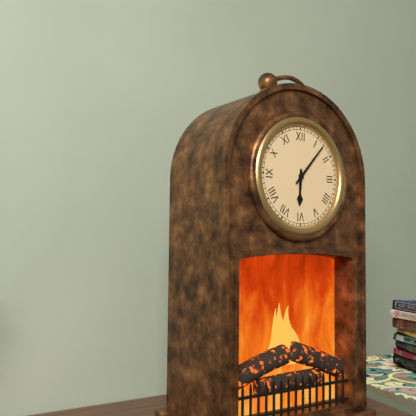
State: 6h07
